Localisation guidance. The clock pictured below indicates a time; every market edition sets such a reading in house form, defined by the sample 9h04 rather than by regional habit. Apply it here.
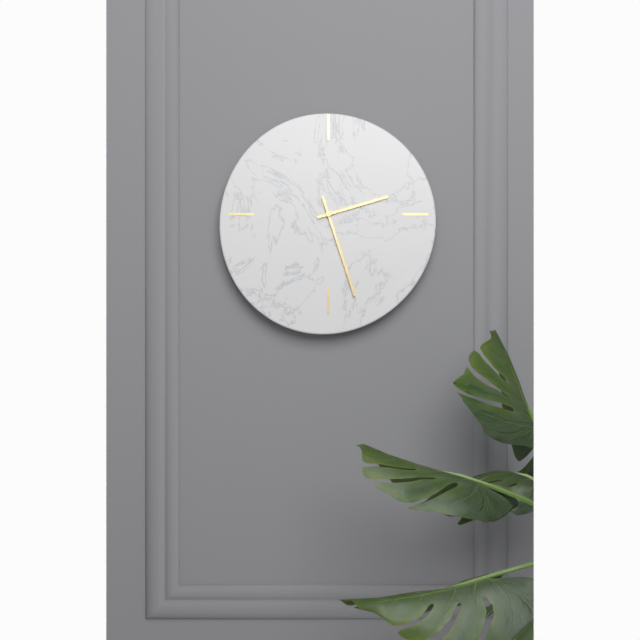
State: 2h27
